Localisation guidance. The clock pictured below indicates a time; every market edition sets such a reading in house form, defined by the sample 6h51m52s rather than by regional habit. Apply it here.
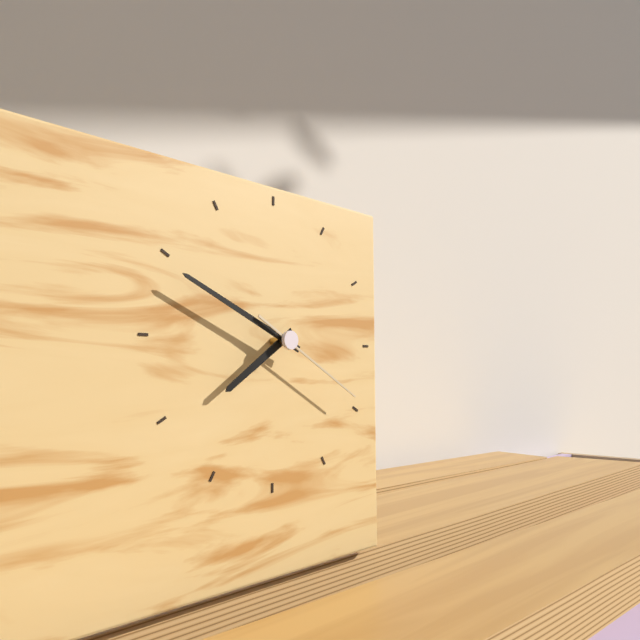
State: 7h49m20s
